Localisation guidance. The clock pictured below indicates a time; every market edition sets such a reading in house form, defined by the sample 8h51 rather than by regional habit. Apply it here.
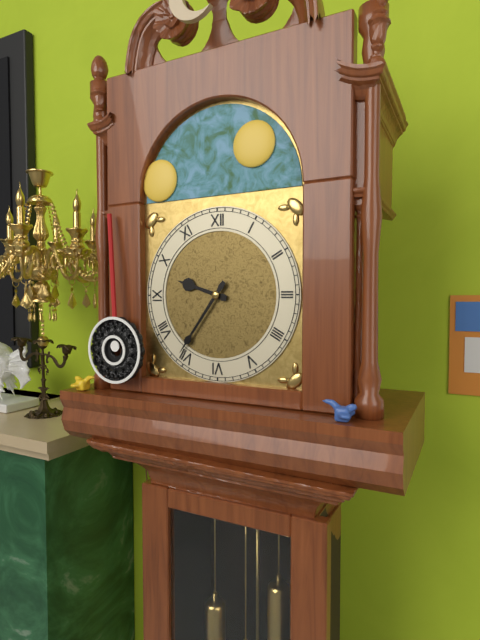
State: 9h36
